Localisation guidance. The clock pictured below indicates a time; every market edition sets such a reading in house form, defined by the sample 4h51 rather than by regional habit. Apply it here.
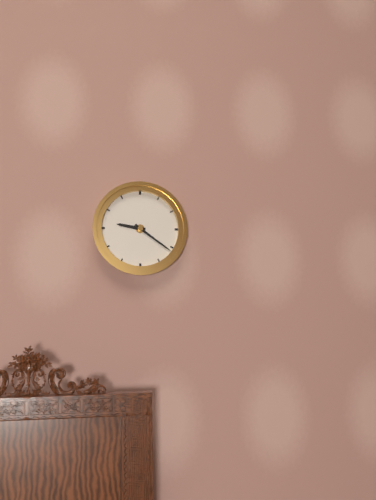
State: 9h21
